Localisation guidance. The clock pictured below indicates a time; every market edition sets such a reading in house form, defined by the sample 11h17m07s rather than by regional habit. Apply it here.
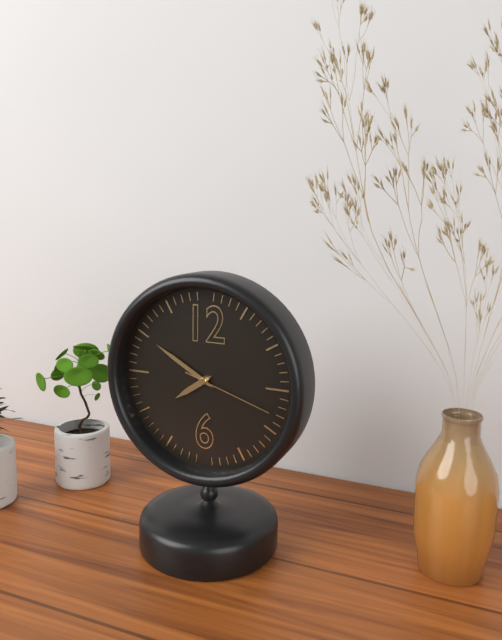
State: 7h50m18s
